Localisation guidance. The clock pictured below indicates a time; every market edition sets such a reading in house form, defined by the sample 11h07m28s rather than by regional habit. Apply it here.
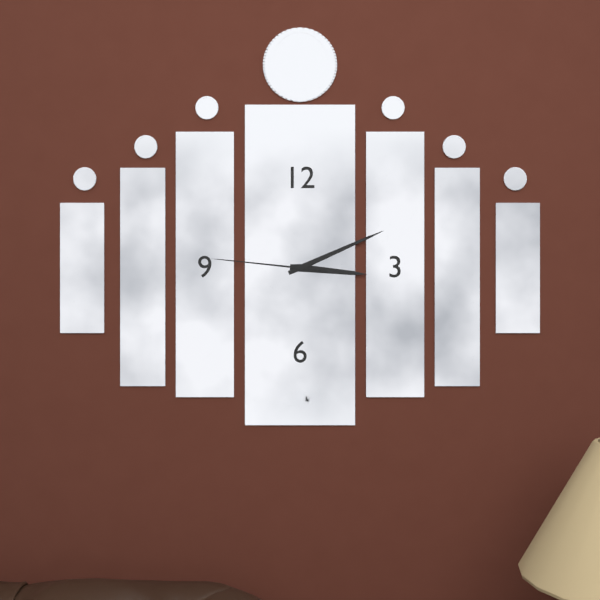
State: 3h11m46s
